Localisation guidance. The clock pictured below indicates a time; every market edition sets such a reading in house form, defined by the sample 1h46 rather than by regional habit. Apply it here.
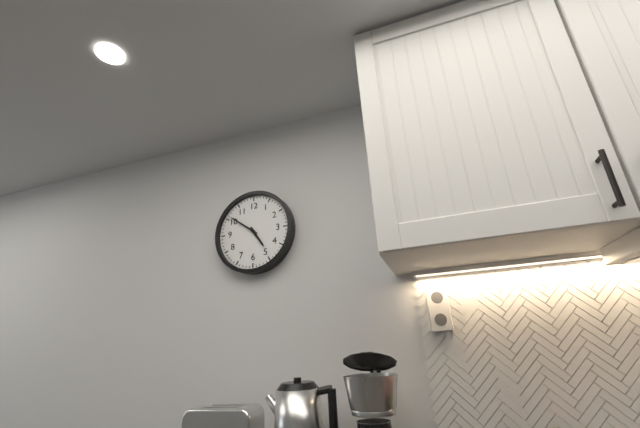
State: 4h51
